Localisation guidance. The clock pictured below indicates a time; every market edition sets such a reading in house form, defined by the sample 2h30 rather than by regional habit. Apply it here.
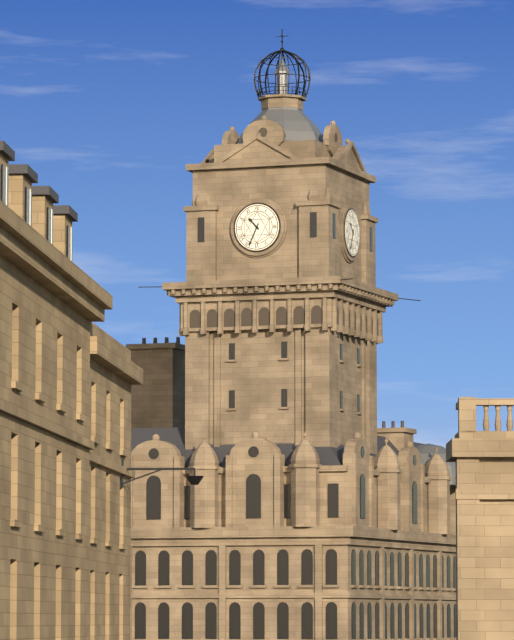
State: 10h34
